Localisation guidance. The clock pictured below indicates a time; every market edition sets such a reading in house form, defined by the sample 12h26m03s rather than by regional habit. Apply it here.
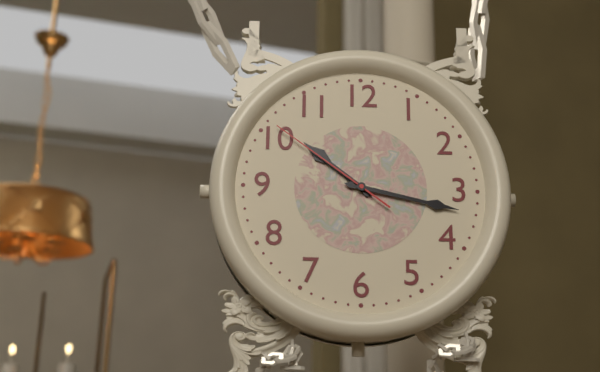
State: 10h17m51s
